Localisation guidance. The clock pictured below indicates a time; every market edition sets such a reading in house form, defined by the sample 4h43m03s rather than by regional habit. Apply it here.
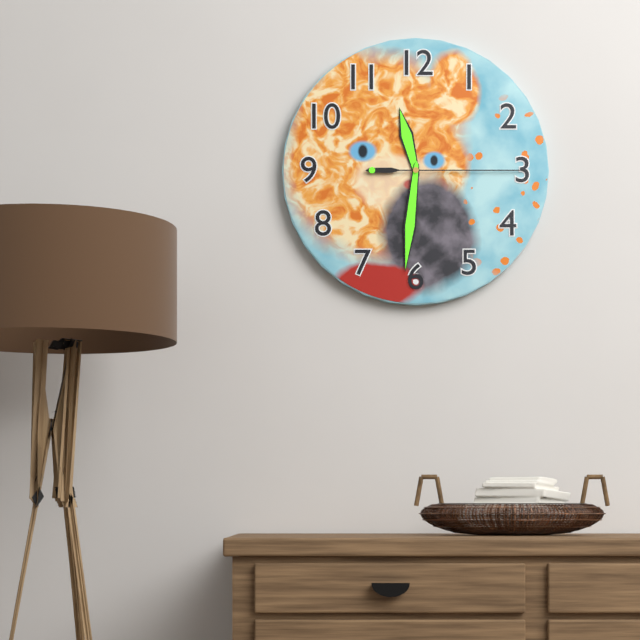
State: 11h31m15s
